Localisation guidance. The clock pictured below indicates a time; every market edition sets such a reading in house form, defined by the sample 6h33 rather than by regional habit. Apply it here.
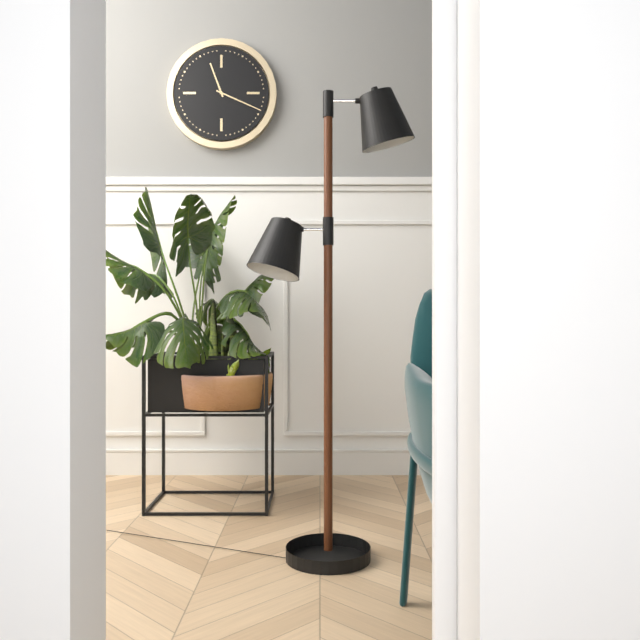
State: 11h19
